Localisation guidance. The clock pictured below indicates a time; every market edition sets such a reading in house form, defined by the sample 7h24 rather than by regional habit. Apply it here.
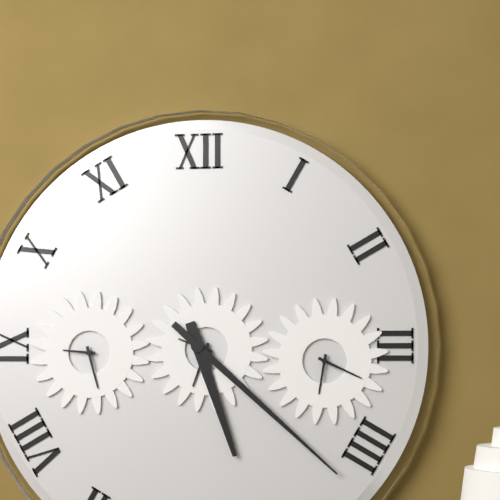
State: 5h22
